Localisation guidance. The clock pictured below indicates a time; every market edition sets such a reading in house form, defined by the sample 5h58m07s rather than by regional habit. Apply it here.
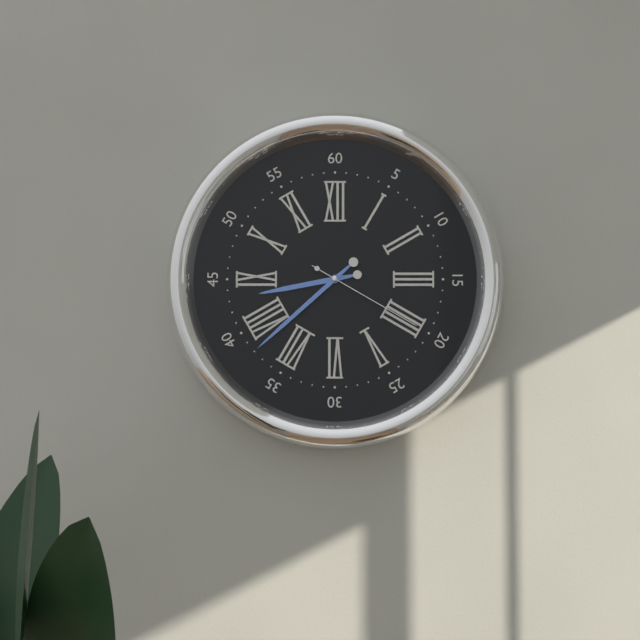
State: 8h38m20s
